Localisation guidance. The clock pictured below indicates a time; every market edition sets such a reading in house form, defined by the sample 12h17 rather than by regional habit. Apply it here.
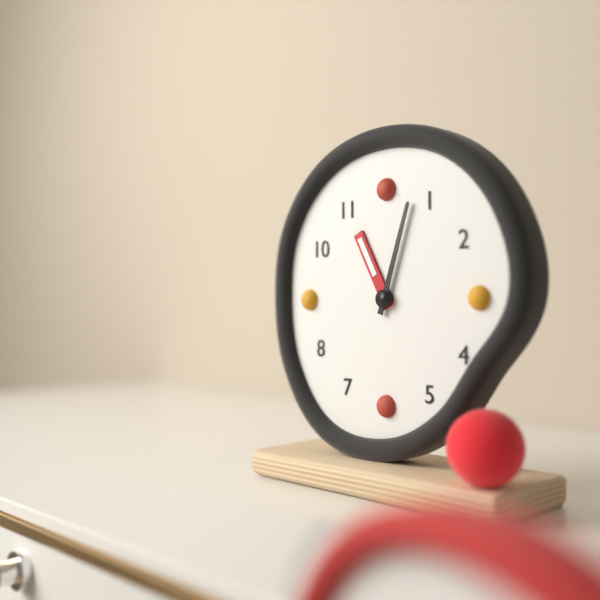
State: 11h03
